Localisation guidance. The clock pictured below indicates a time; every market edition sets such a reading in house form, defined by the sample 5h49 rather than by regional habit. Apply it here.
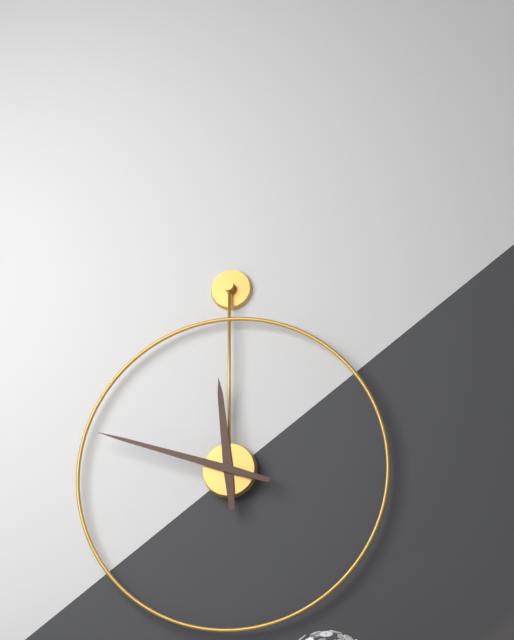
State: 11h48
